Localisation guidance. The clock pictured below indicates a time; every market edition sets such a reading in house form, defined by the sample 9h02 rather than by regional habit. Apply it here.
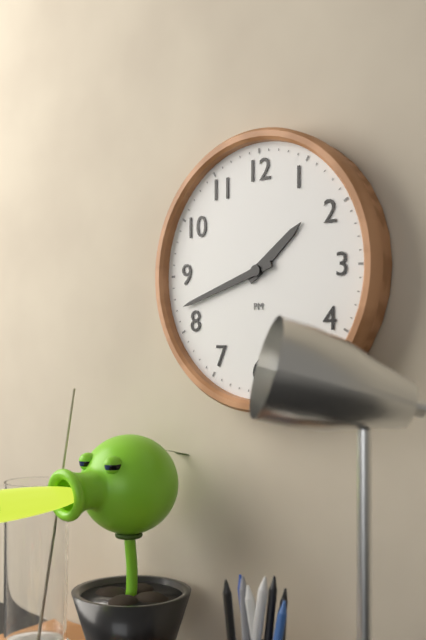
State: 1h42
